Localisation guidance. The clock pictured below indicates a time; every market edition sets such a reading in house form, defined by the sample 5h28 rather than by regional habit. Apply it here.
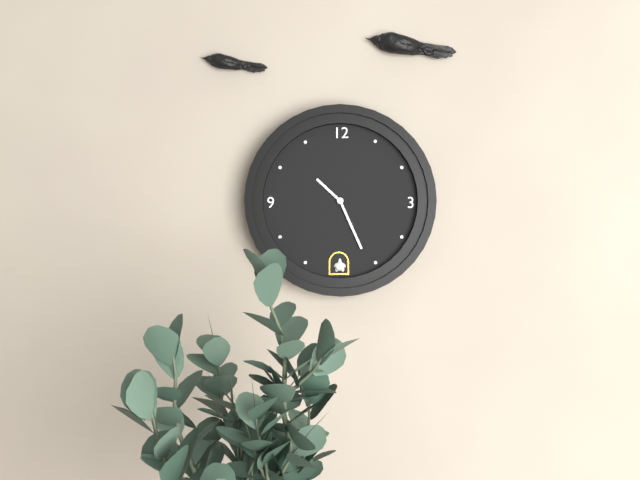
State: 10h26
